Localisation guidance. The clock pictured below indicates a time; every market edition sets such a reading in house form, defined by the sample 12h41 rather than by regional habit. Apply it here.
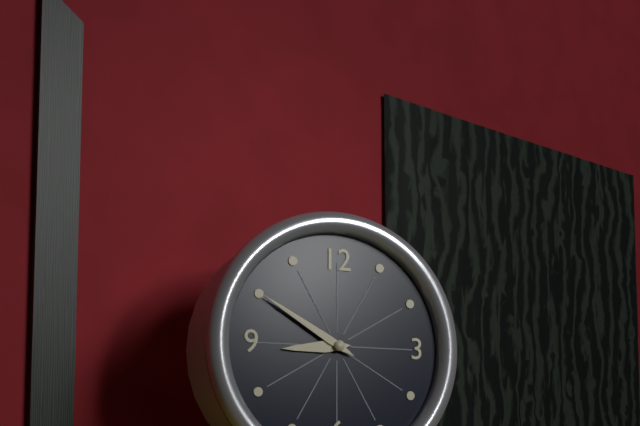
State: 8h50
